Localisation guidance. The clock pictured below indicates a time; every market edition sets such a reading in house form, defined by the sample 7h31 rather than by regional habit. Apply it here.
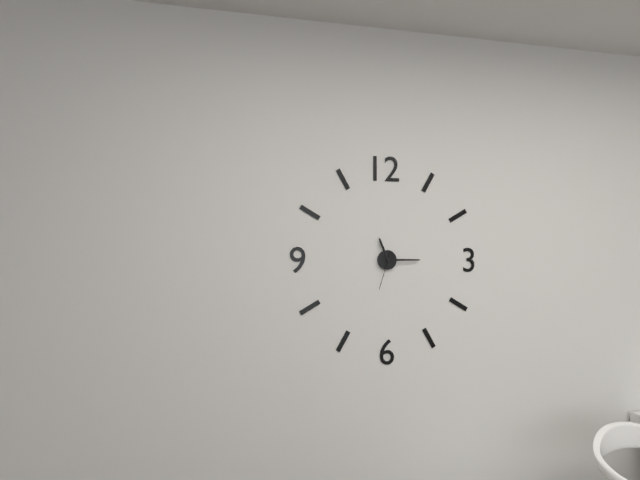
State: 11h15
